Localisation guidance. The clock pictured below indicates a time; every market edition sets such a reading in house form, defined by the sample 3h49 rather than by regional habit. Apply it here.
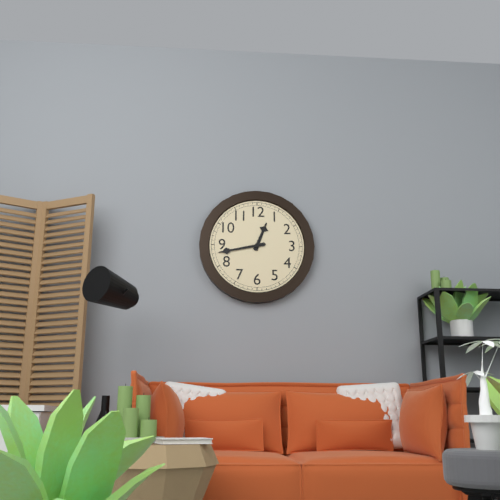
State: 12h43
